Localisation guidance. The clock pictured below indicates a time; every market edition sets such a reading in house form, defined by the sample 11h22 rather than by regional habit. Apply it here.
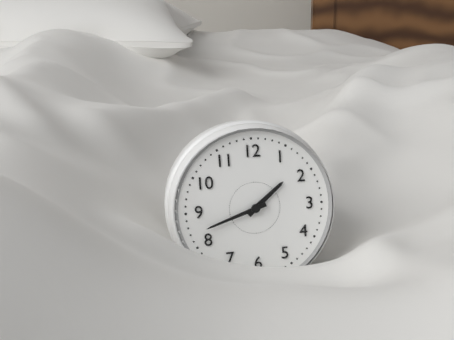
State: 1h42
